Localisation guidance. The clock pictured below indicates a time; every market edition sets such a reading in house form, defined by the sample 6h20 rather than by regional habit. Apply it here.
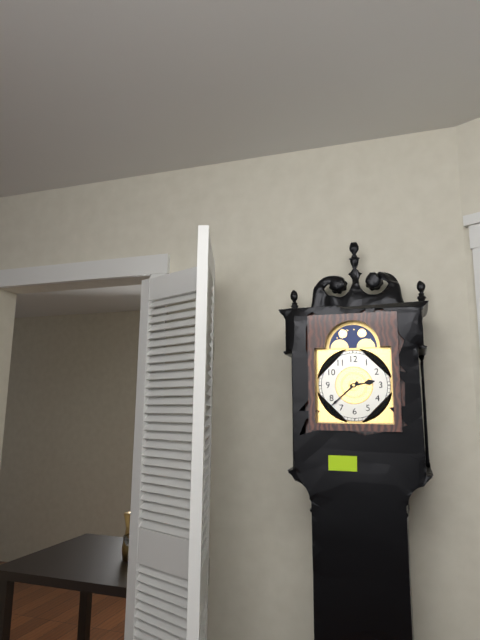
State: 2h38
